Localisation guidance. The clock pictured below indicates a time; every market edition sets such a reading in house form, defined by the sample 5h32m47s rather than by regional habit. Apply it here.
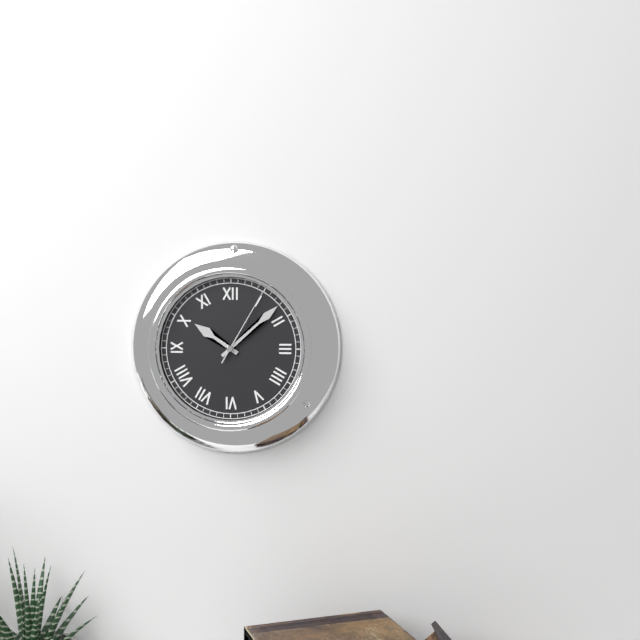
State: 10h08m05s
